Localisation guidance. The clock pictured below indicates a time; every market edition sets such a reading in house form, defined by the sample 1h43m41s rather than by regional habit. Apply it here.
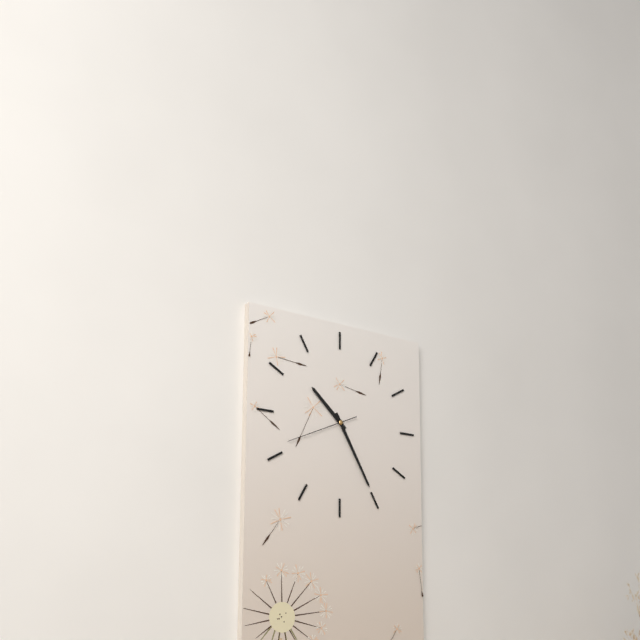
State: 10h25m41s
